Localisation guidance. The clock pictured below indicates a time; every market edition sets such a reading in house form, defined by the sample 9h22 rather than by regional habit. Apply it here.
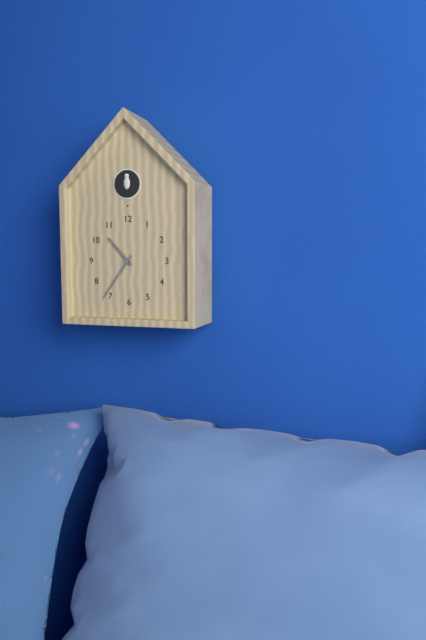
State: 10h36
